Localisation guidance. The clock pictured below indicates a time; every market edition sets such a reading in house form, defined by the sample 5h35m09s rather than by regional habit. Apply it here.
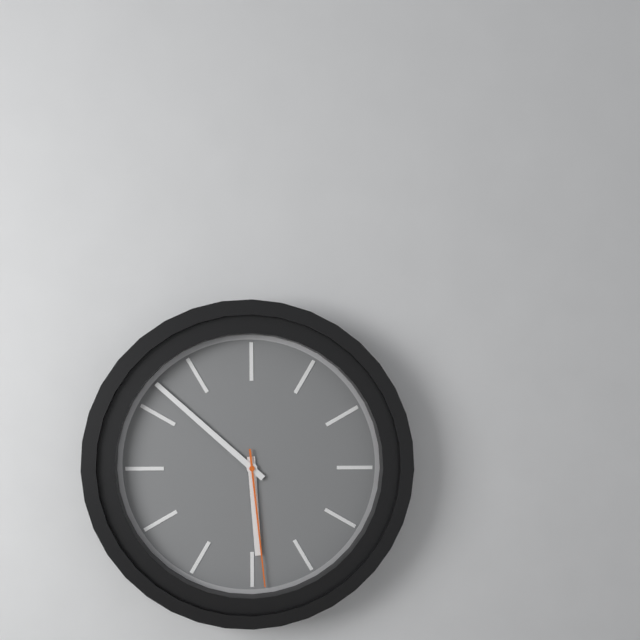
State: 5h52m29s
